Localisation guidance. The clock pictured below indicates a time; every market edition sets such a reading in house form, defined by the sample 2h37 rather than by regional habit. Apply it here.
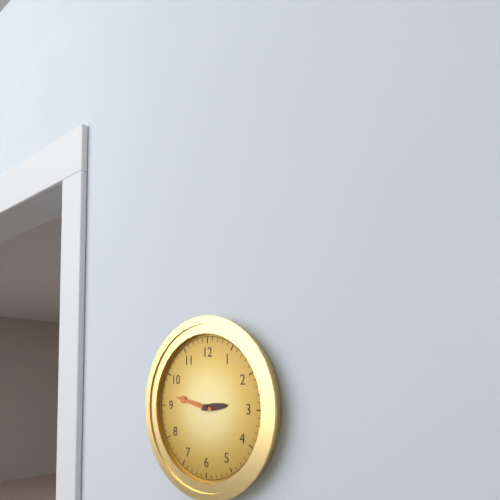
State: 2h47
